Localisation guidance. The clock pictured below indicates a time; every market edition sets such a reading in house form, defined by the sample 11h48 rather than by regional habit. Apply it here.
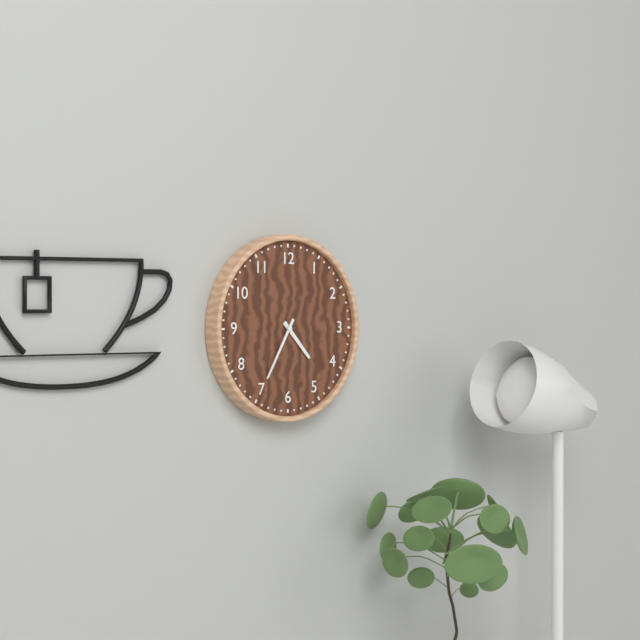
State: 4h35
